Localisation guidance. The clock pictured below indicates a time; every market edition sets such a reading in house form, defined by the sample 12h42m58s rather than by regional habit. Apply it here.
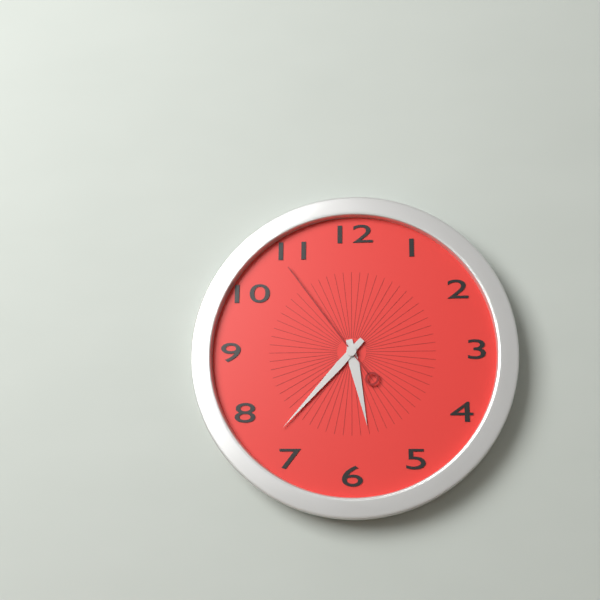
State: 5h37m54s
